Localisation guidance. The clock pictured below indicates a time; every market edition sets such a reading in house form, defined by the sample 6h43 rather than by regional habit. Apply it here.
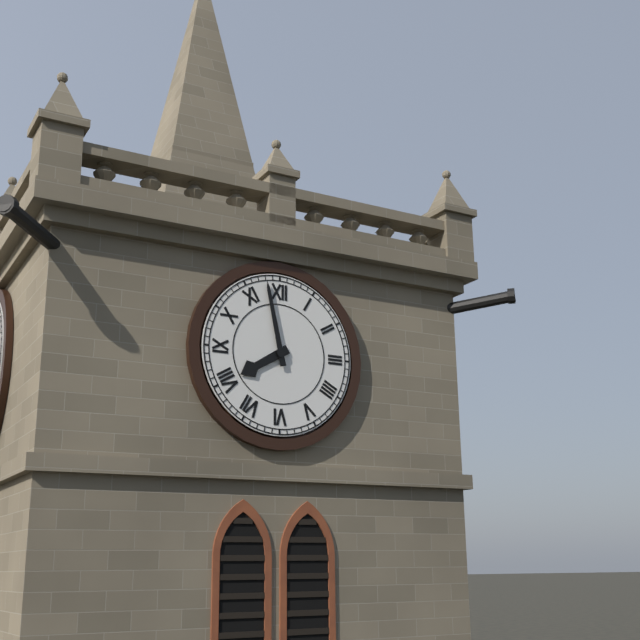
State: 7h58
